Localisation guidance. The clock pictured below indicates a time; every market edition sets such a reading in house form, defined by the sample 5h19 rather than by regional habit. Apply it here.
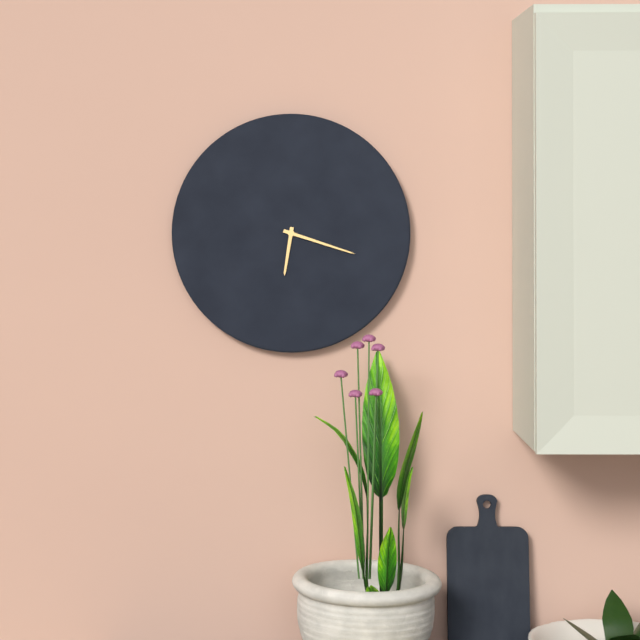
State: 6h18
